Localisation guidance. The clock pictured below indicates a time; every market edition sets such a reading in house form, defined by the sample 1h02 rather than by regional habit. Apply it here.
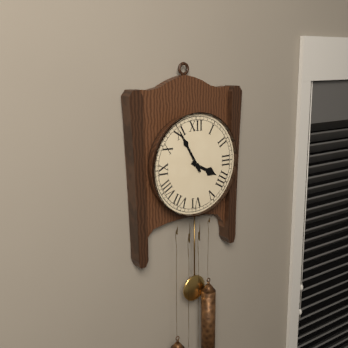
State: 3h55
